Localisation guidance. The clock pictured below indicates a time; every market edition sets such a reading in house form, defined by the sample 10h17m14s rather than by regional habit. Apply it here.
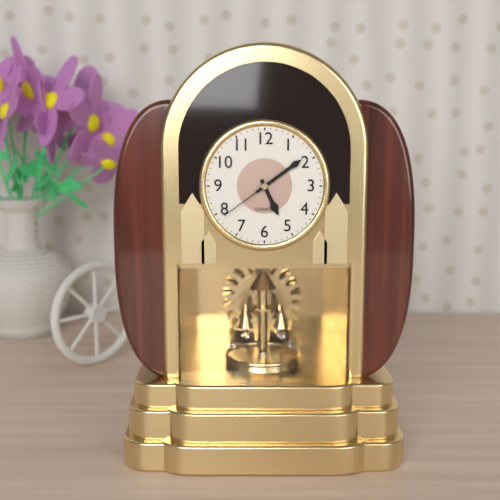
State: 5h09m39s
